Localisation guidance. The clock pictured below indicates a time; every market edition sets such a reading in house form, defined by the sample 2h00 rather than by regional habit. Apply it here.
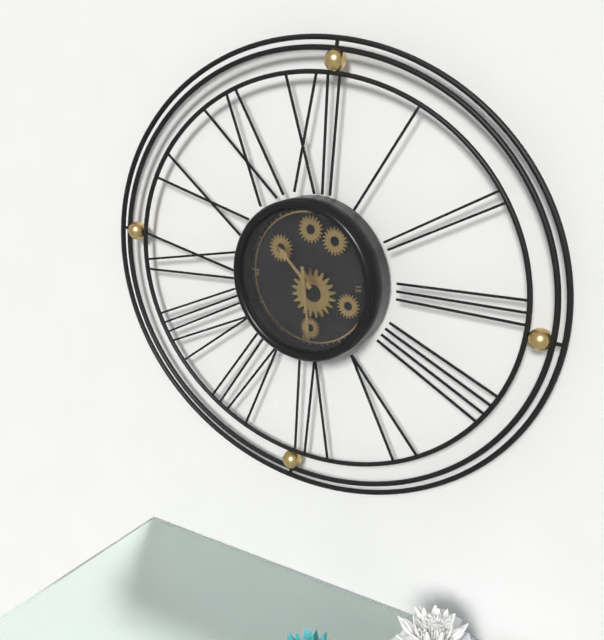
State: 10h29
